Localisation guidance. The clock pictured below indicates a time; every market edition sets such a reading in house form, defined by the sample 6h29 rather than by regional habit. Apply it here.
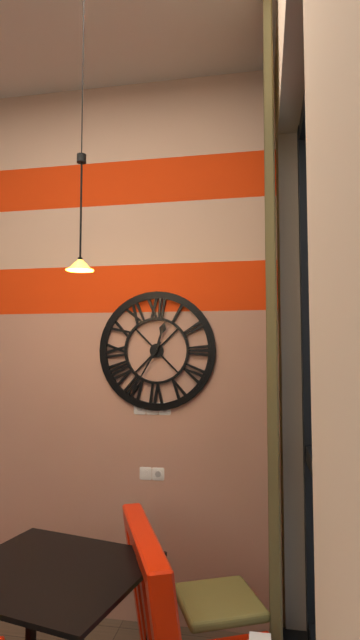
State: 12h35
